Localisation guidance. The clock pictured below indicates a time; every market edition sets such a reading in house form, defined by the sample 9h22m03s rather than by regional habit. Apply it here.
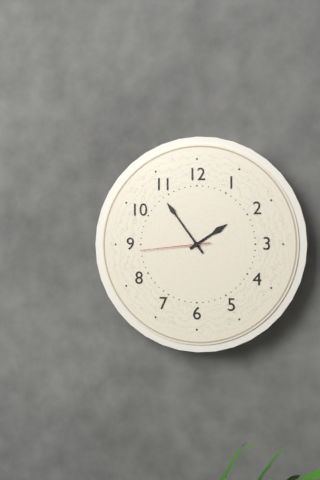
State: 1h54m44s
